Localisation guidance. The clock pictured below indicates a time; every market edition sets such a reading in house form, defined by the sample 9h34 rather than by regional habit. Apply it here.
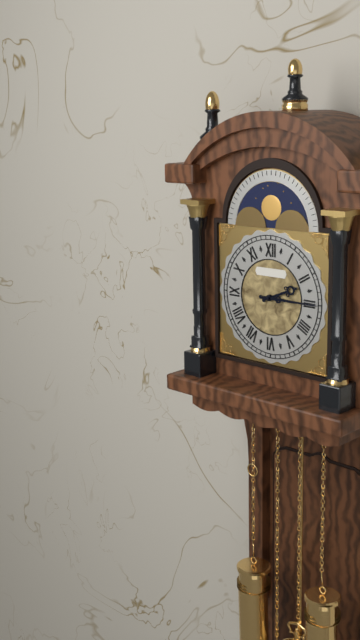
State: 2h15
